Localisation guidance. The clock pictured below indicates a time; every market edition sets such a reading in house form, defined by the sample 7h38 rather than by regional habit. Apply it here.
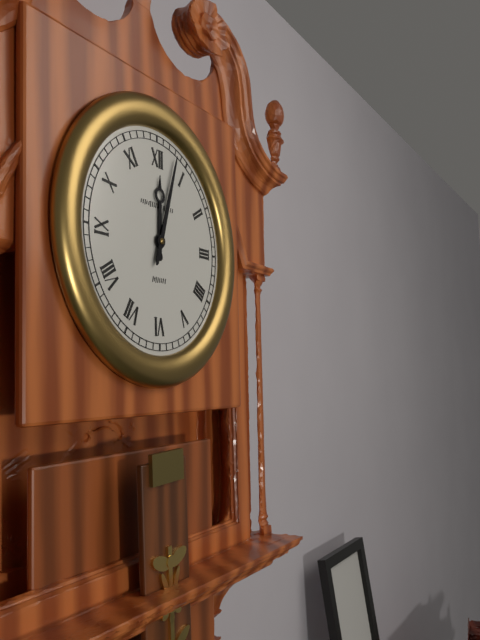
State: 12h03
